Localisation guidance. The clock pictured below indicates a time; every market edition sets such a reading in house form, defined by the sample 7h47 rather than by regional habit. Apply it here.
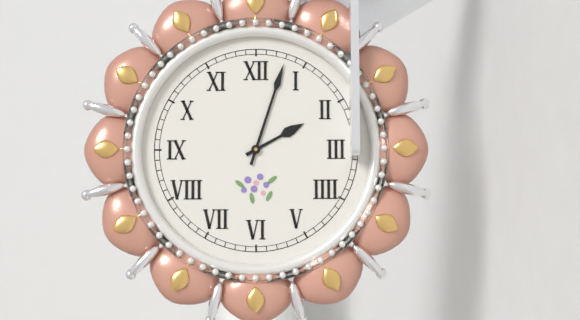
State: 2h03
